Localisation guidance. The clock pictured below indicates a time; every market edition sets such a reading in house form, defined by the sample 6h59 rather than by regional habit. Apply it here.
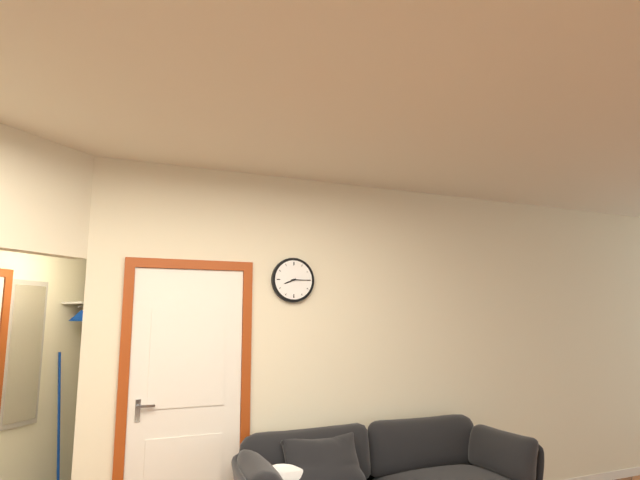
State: 8h15
